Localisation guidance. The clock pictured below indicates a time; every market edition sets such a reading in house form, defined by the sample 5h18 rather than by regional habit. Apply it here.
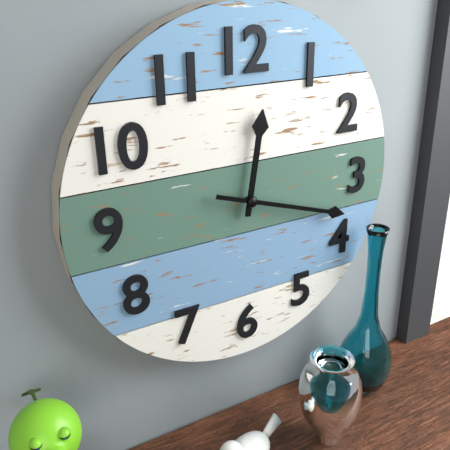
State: 12h18
